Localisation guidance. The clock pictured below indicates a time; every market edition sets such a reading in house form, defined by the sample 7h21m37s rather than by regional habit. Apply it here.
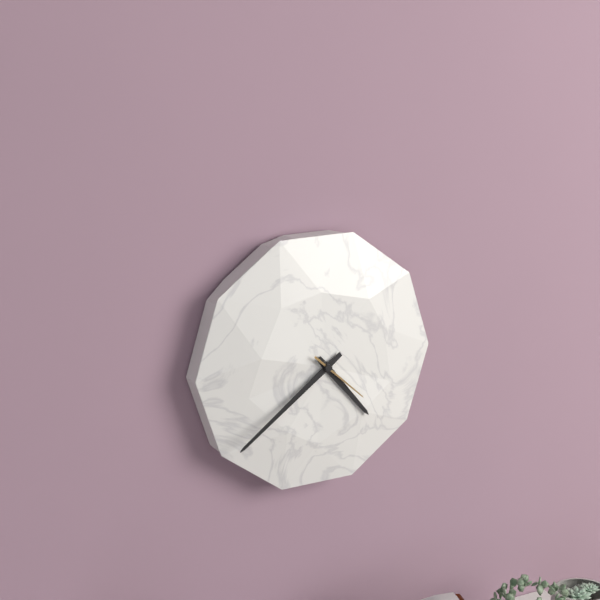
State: 4h39m22s
